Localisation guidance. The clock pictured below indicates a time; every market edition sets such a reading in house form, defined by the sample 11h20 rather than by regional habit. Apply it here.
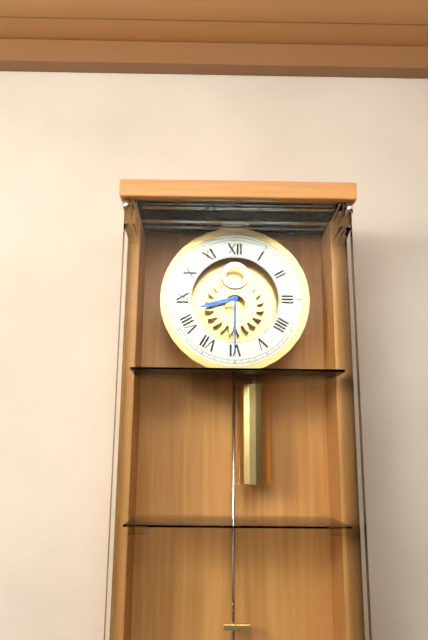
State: 8h30
